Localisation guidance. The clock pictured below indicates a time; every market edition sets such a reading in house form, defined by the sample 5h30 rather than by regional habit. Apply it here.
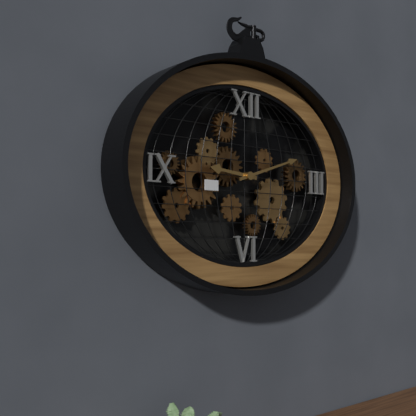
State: 9h12
